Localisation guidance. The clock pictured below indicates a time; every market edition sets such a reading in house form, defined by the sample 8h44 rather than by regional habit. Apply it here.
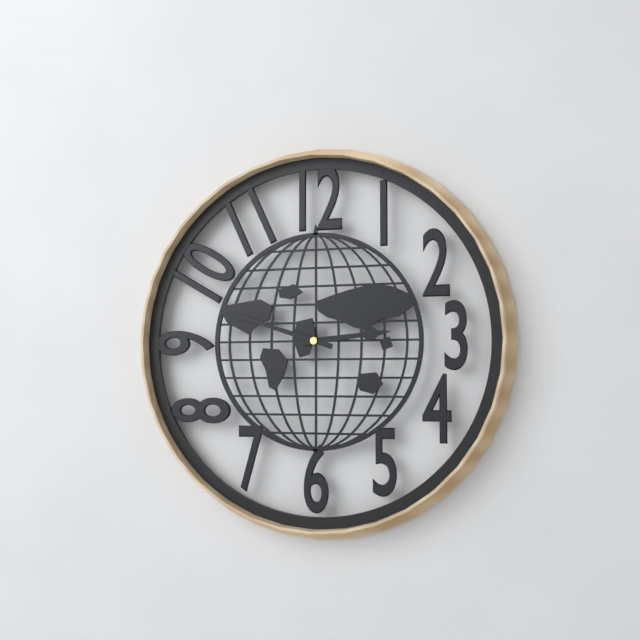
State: 2h48
